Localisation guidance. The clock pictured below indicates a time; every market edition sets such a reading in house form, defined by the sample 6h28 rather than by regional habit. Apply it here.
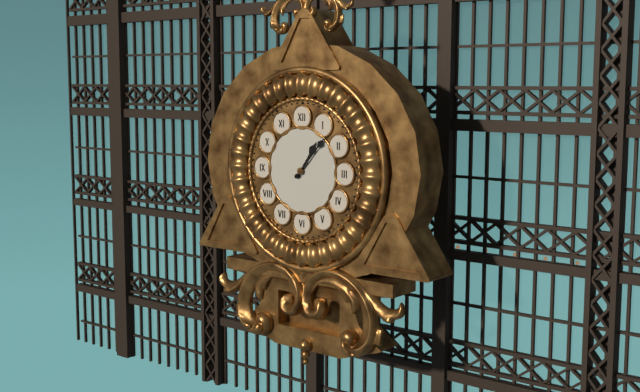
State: 1h07
